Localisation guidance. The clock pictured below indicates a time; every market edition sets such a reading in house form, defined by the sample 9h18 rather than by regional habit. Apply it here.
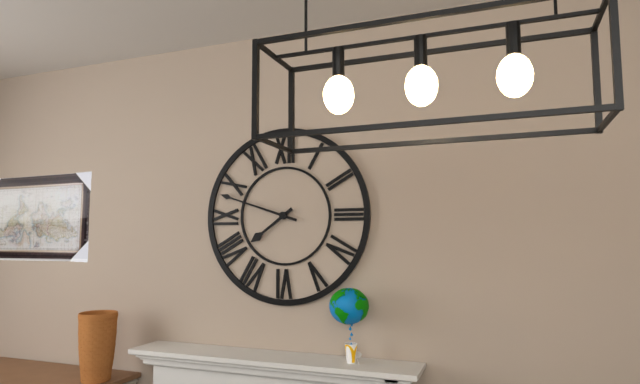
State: 7h48
